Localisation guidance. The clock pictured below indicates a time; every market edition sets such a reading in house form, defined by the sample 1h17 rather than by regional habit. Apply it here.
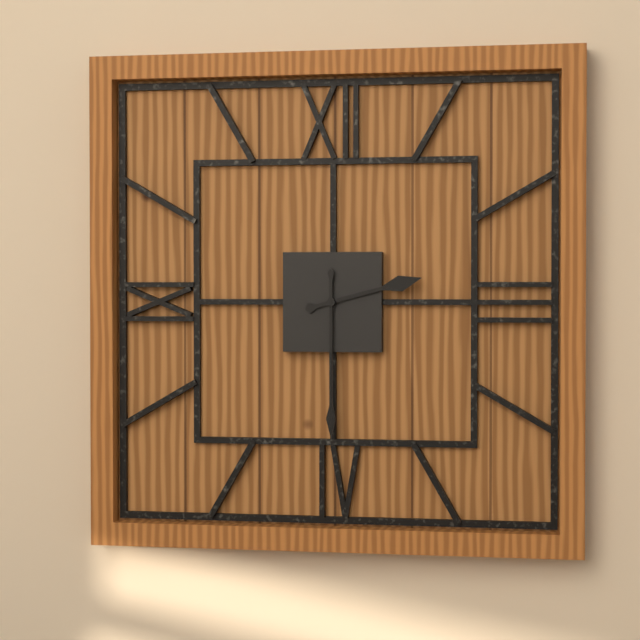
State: 2h30
